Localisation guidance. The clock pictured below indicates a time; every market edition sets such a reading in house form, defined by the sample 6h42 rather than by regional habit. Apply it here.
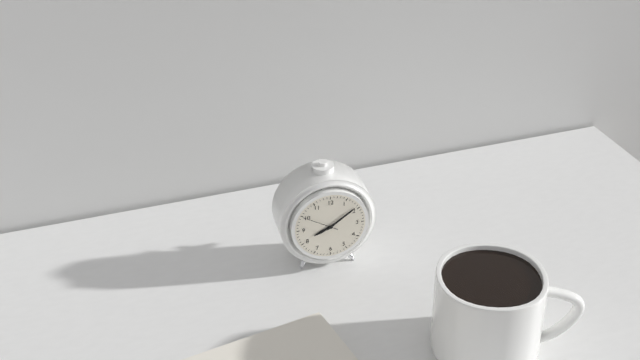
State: 8h09
